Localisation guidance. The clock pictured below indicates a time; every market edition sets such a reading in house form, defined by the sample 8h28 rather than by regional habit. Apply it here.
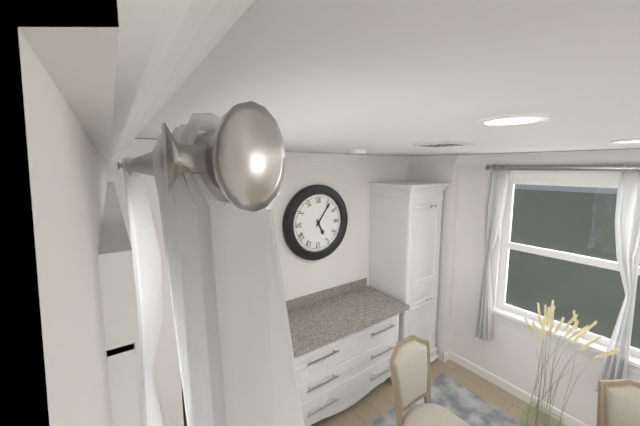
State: 5h06
